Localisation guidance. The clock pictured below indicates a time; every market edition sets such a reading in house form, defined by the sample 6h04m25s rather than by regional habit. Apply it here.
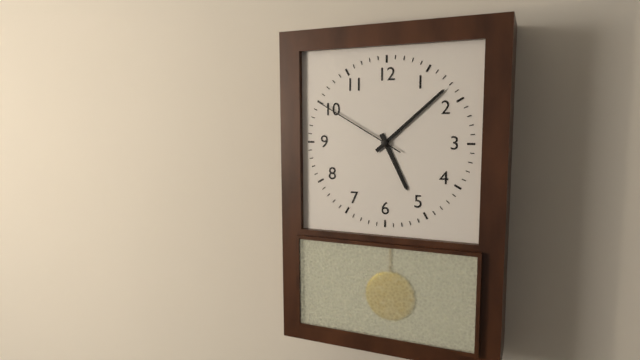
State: 5h08m50s
